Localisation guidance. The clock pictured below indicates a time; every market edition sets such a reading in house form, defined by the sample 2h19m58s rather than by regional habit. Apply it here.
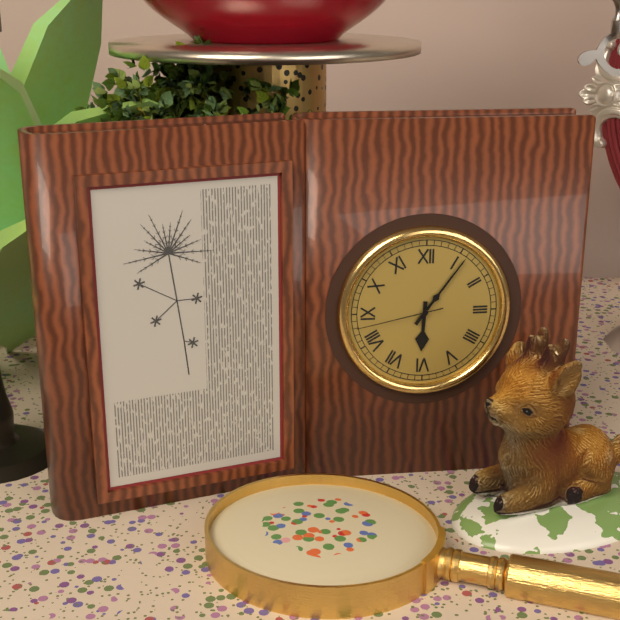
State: 6h06m43s
